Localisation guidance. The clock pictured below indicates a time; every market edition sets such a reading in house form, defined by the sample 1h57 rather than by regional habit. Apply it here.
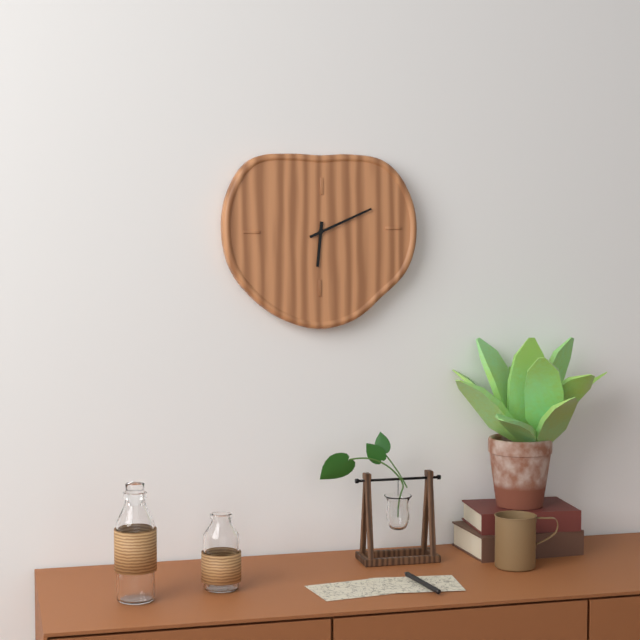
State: 6h11
